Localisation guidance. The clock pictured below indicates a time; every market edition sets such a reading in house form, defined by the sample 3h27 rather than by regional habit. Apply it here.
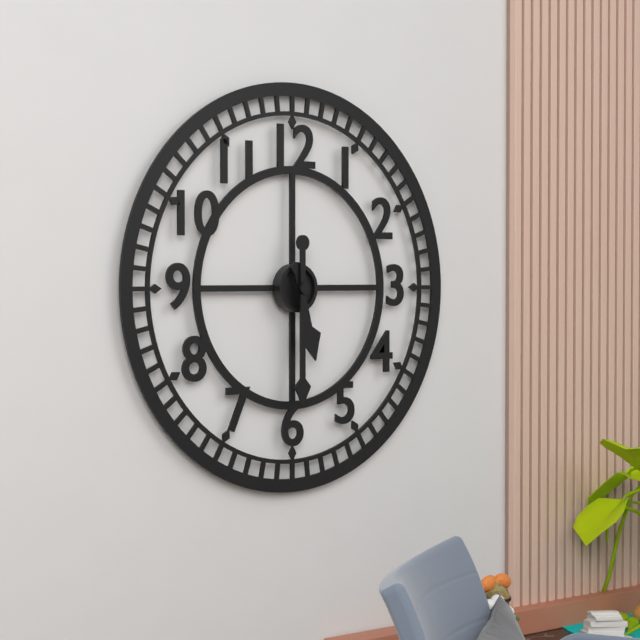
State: 5h30
